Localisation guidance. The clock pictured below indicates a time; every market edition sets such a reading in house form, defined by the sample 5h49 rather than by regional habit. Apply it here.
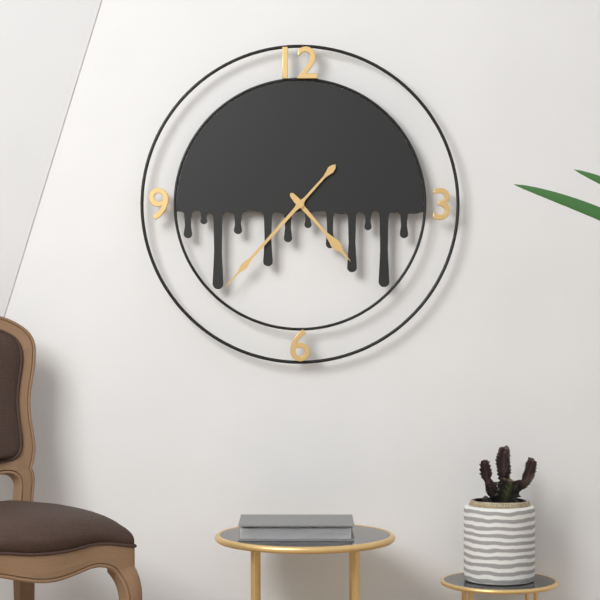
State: 4h37
